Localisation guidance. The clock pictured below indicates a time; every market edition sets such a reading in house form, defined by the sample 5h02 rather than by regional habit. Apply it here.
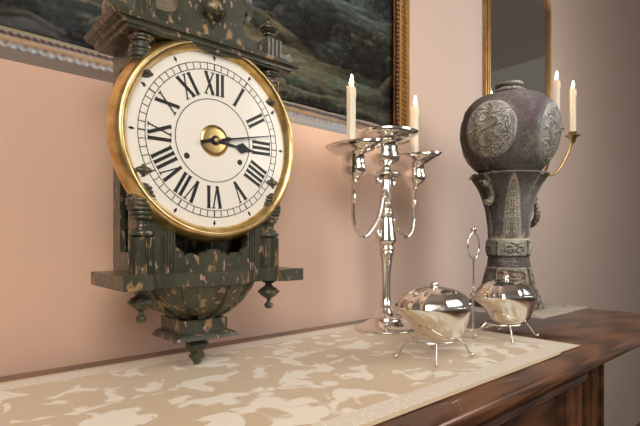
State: 3h13
